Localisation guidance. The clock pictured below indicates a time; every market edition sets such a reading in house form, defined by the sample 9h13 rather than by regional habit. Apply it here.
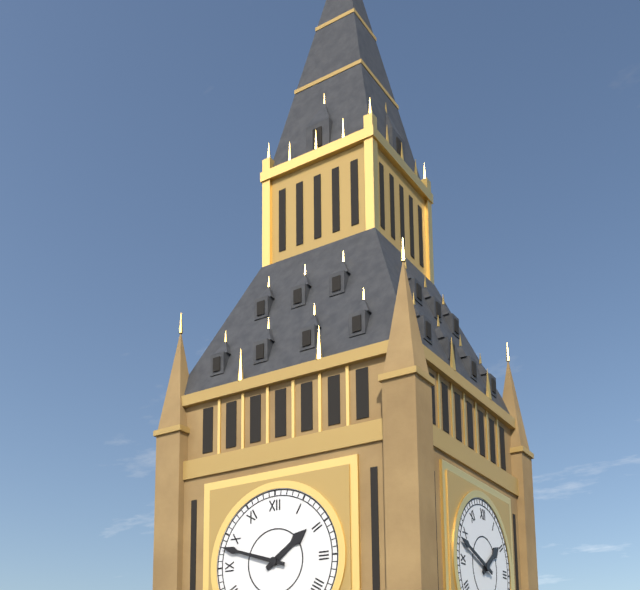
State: 1h48
